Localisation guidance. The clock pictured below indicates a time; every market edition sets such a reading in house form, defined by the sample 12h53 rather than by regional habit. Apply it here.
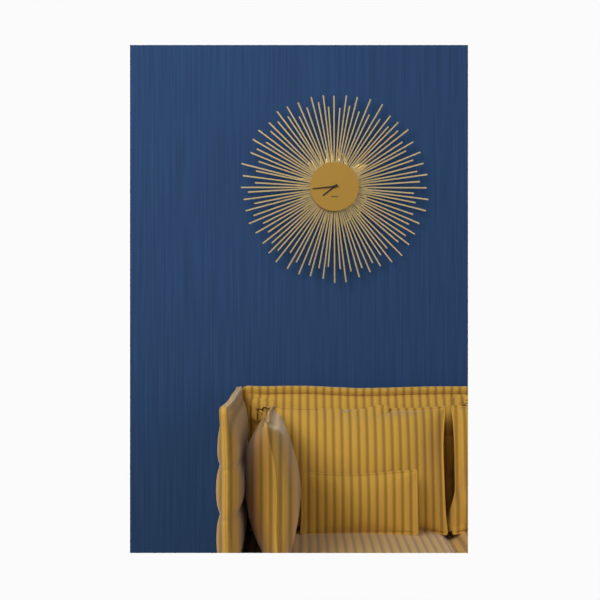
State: 7h44
